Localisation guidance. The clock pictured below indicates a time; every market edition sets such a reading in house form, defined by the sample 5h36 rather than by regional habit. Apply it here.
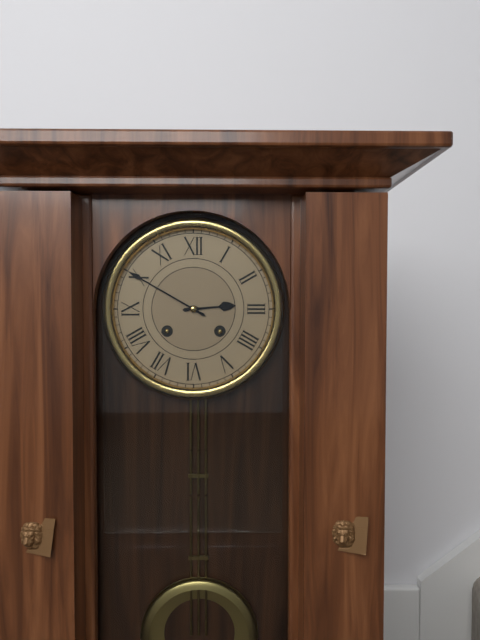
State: 2h50
